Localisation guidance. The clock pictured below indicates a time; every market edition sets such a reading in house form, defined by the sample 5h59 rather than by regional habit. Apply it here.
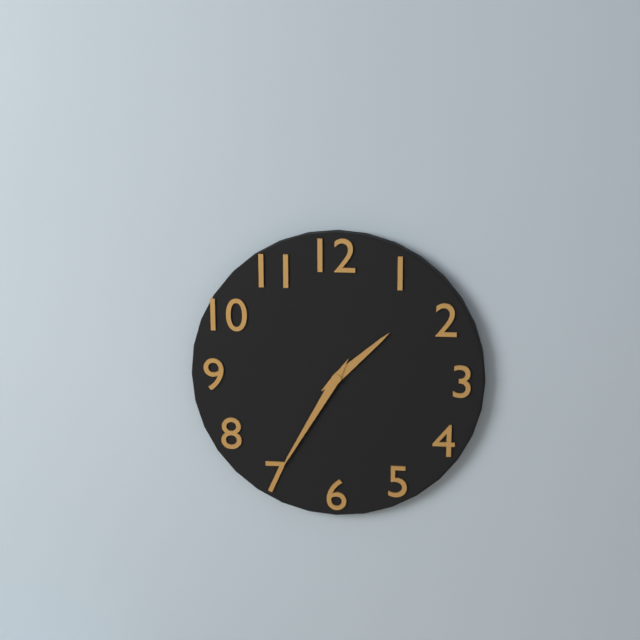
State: 1h35
